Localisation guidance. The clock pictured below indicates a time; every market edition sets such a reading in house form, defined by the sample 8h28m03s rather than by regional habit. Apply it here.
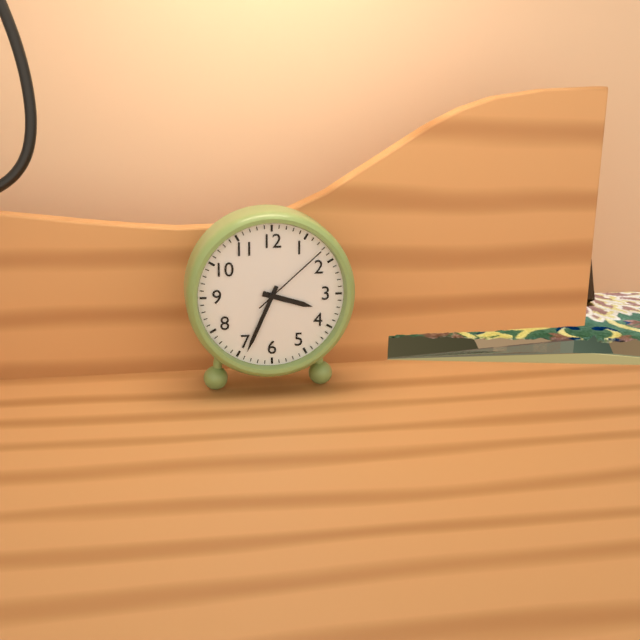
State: 3h34m08s
